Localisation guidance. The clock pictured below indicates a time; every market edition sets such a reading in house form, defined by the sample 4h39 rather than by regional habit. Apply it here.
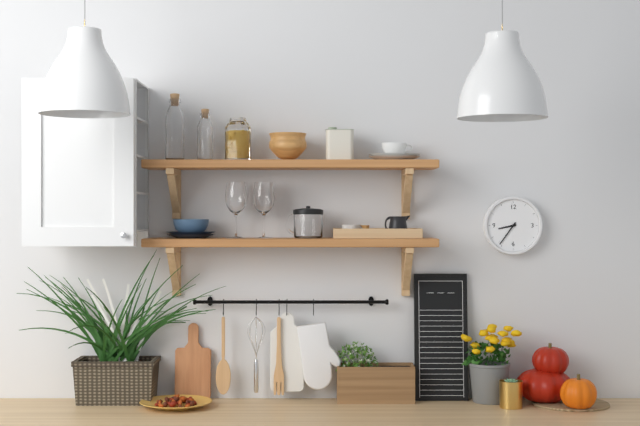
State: 8h36
